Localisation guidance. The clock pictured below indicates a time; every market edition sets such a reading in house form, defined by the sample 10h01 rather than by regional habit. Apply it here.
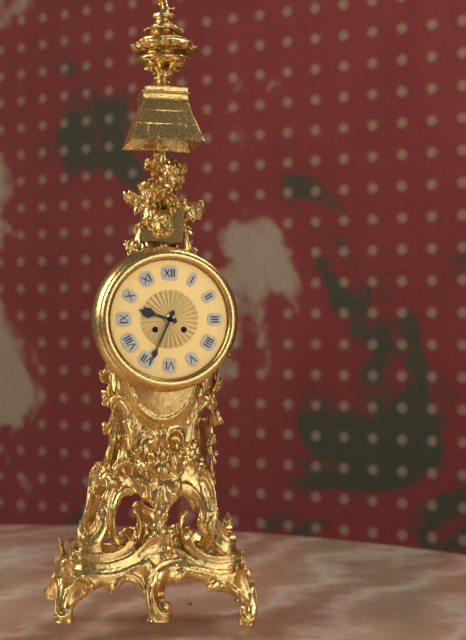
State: 9h34
